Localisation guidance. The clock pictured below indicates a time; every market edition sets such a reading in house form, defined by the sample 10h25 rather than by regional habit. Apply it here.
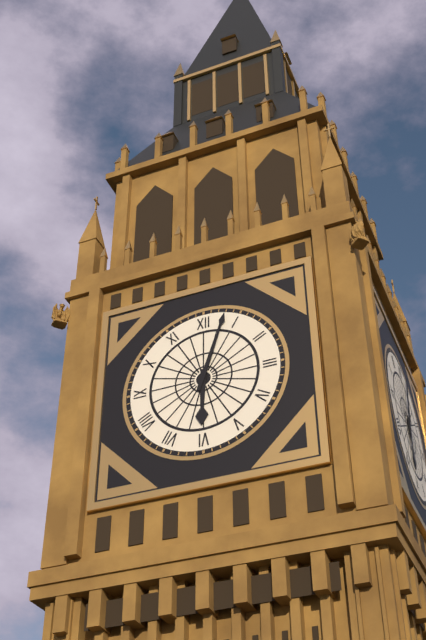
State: 6h03
